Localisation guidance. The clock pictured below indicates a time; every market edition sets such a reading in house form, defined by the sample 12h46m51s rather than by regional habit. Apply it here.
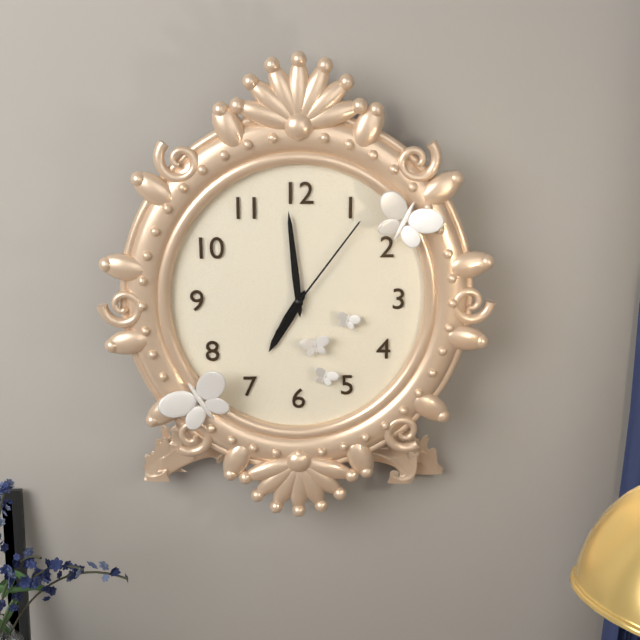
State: 6h59m06s
